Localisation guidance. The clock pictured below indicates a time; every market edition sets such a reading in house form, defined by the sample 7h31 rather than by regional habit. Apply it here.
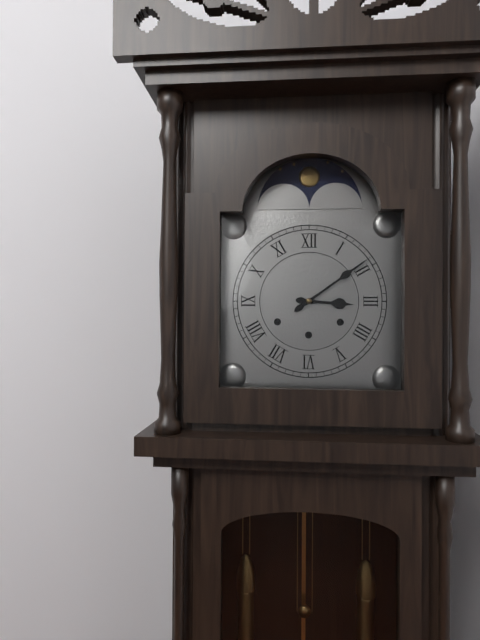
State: 3h09
